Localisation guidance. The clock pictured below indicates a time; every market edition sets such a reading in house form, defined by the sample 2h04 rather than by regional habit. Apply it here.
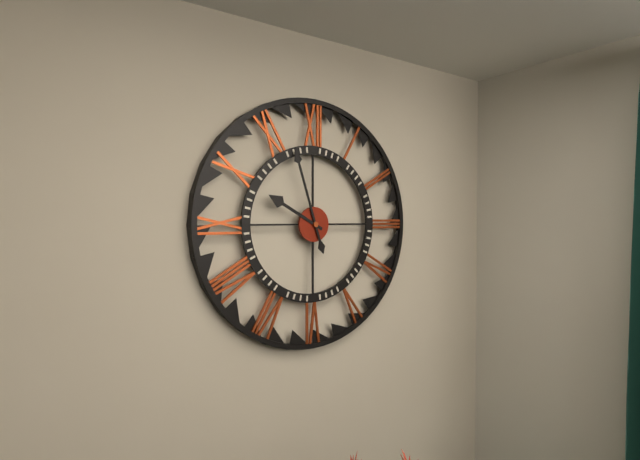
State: 9h57
